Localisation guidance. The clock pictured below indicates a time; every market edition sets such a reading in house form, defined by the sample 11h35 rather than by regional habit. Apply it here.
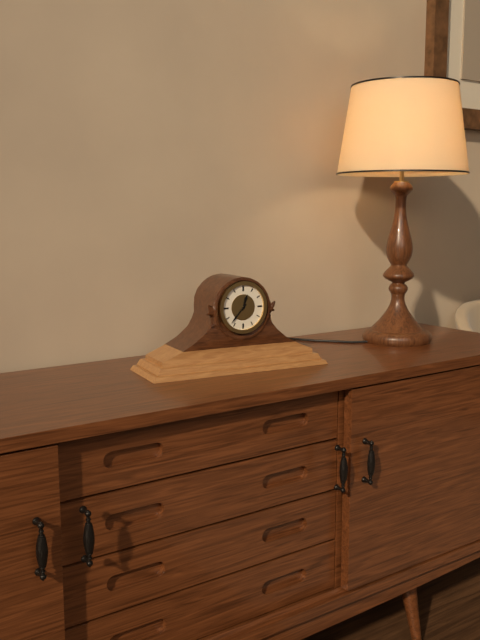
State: 12h37
